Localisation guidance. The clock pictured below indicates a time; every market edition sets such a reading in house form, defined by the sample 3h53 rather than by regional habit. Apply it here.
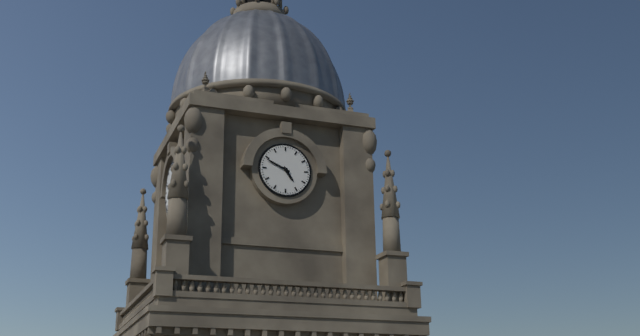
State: 4h49
